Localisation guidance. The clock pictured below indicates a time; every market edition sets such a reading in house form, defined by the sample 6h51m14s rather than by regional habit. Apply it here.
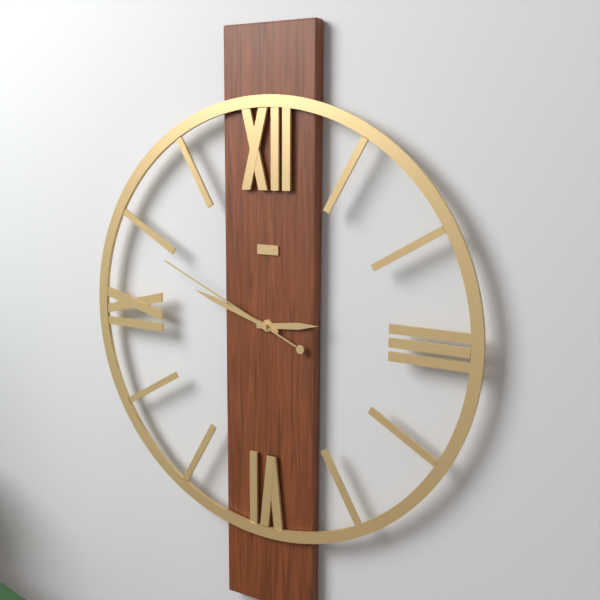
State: 2h48m49s
